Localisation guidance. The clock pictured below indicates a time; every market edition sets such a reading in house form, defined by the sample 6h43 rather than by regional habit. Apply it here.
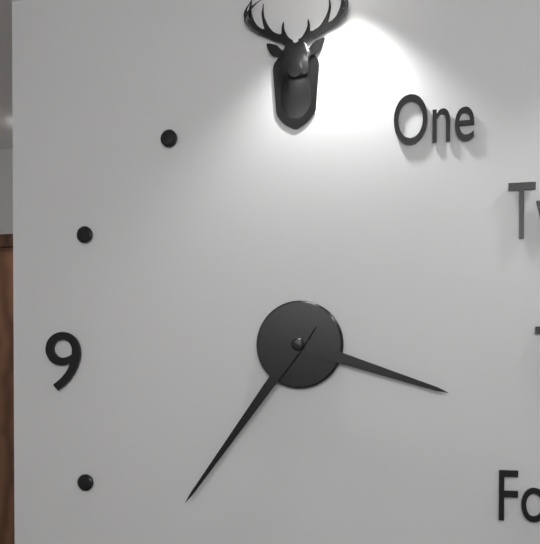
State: 3h36
